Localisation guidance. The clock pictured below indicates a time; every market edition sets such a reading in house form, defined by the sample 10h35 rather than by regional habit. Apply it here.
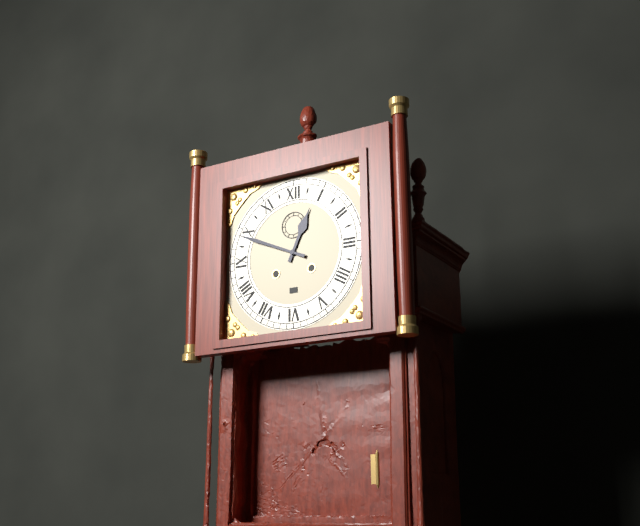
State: 12h49
